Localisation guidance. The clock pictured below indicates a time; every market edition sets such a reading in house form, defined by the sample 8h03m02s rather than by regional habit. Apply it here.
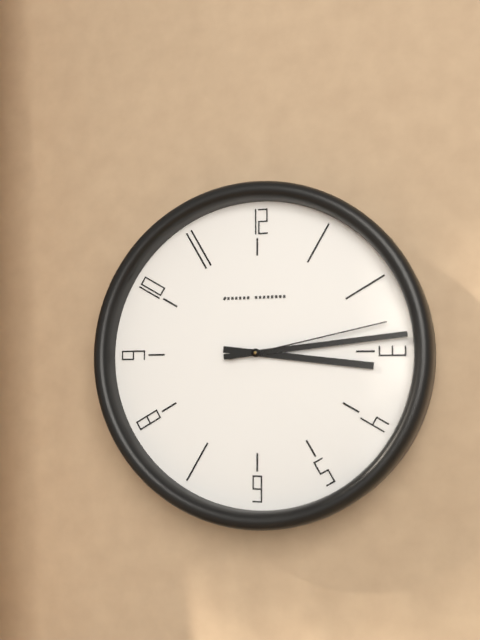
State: 3h14m13s
